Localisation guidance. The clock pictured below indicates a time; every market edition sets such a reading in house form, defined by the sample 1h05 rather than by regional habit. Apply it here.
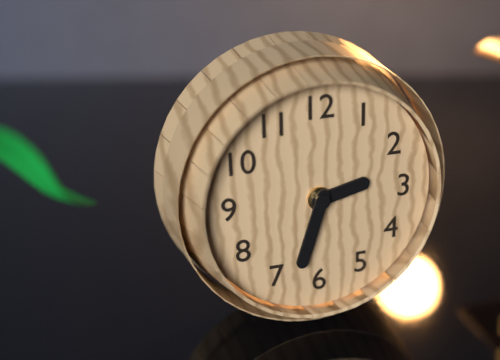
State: 2h33
